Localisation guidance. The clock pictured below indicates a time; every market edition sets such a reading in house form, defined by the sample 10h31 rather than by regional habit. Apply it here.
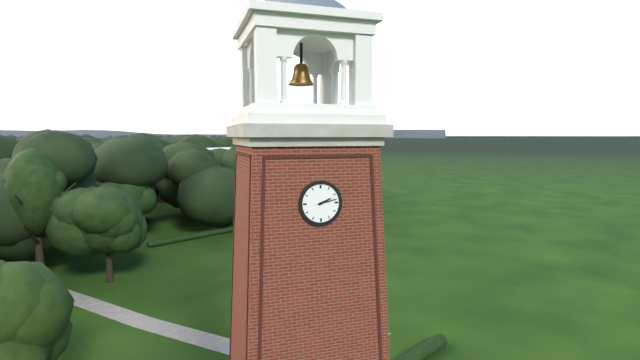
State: 2h13
